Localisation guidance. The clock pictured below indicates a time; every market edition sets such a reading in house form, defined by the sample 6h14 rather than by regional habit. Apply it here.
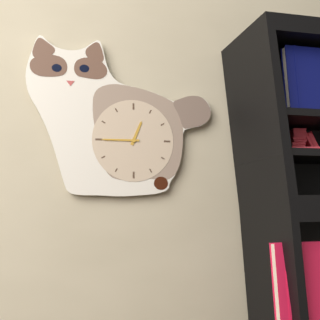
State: 12h45
